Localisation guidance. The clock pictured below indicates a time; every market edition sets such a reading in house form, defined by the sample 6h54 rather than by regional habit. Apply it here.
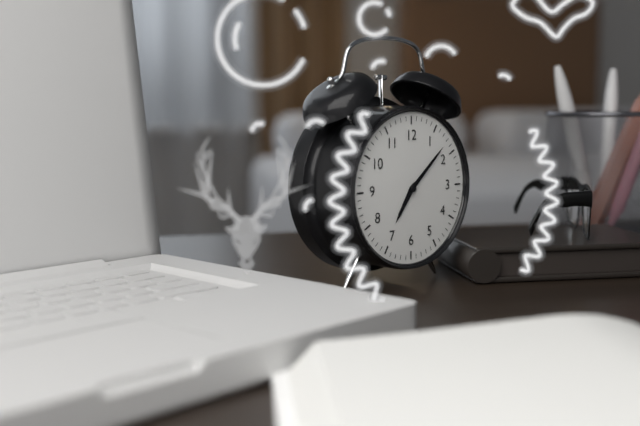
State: 7h08
